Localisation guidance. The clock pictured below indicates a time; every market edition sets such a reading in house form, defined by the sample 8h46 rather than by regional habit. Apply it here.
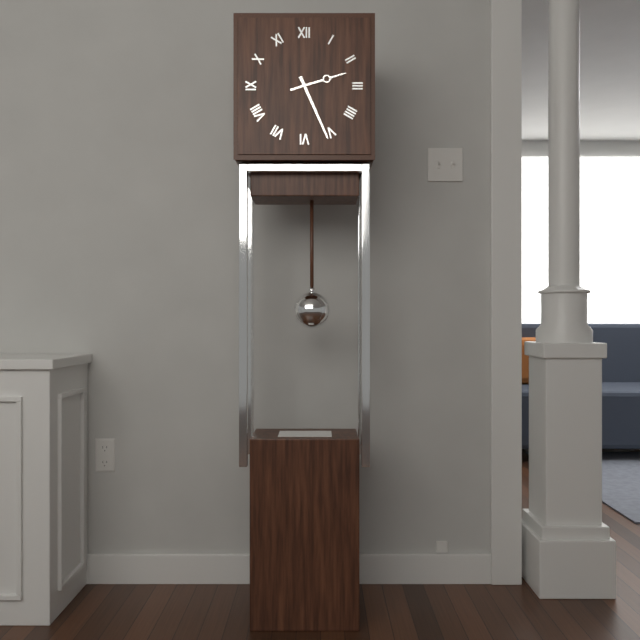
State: 2h26
